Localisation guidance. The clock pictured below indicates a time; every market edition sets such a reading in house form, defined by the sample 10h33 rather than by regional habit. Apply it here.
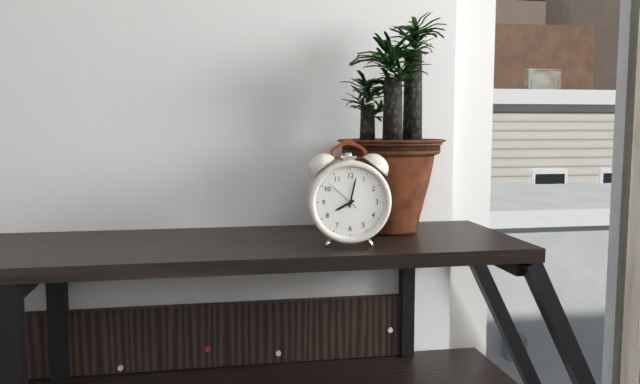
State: 8h02
